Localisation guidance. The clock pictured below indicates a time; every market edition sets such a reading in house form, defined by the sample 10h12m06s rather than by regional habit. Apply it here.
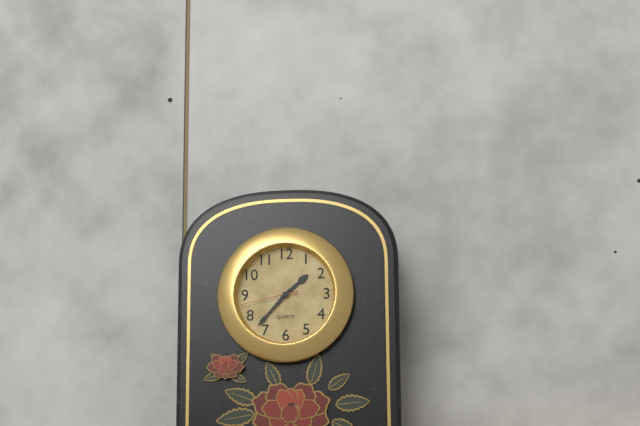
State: 1h37m43s
